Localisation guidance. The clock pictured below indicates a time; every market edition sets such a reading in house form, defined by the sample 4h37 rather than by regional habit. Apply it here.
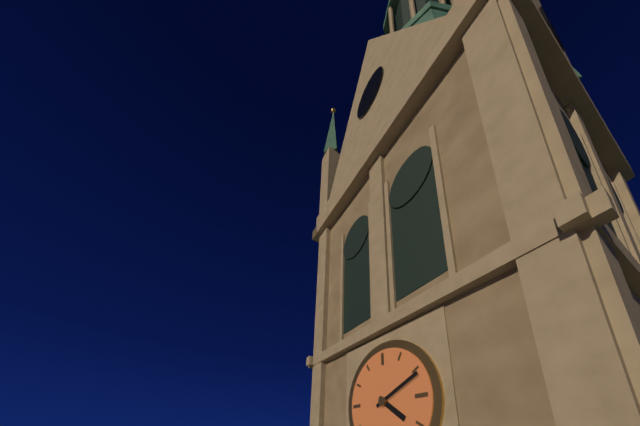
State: 4h11
